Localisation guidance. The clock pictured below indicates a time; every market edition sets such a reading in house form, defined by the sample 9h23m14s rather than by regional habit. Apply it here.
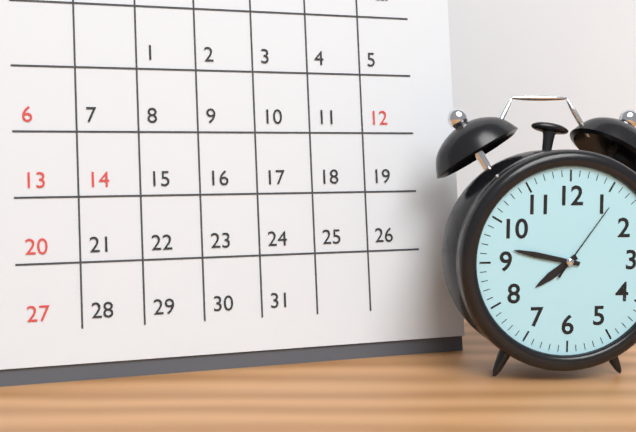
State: 7h47m06s
